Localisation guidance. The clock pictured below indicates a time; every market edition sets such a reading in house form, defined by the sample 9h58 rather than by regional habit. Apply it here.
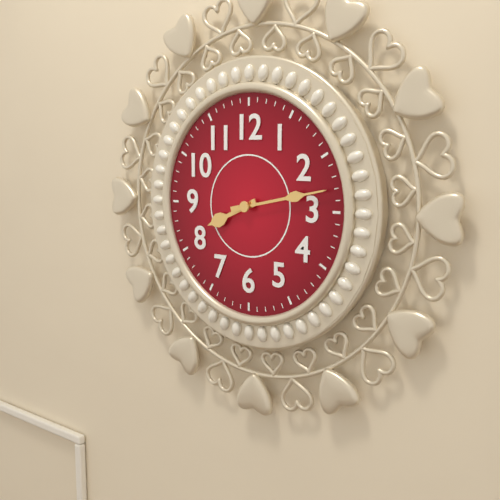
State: 8h13
